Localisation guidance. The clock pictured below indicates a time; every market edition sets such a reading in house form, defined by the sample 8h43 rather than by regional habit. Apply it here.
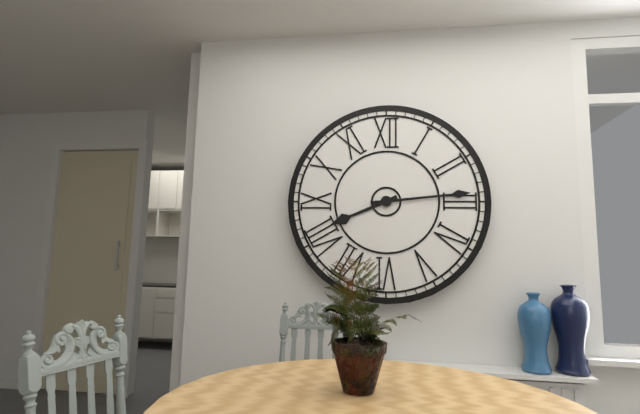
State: 8h14
